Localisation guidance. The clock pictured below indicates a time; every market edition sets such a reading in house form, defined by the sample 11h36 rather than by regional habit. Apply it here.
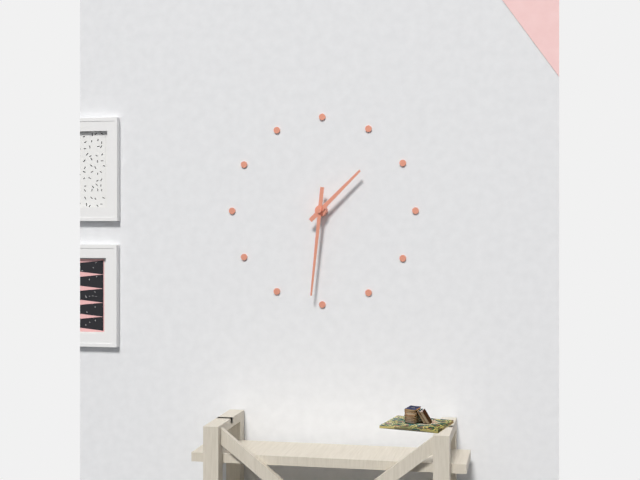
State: 1h31
